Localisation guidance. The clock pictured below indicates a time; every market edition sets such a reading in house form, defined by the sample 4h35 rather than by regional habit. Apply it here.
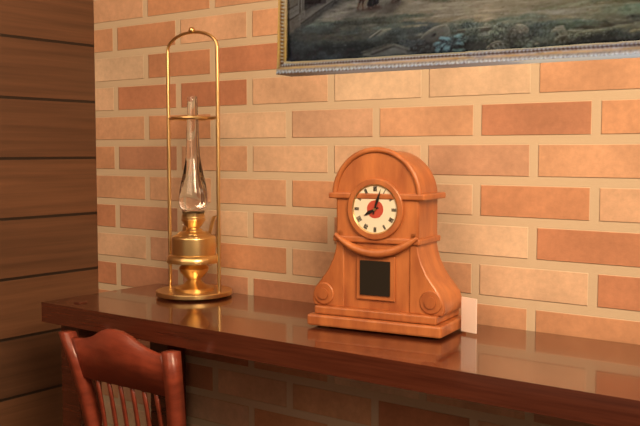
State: 8h03
